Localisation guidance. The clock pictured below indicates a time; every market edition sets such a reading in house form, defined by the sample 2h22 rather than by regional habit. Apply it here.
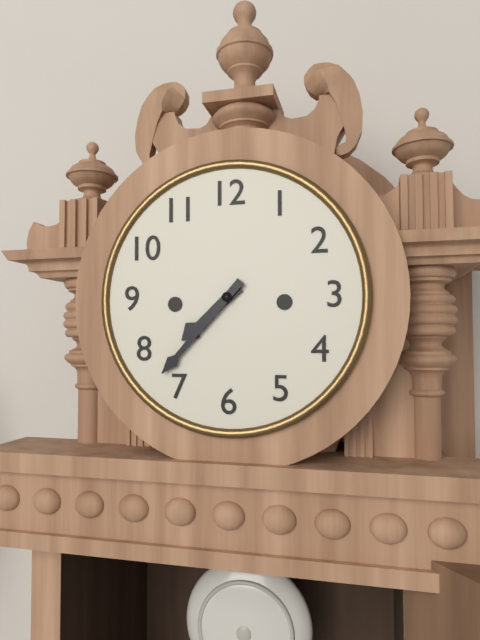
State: 7h37
